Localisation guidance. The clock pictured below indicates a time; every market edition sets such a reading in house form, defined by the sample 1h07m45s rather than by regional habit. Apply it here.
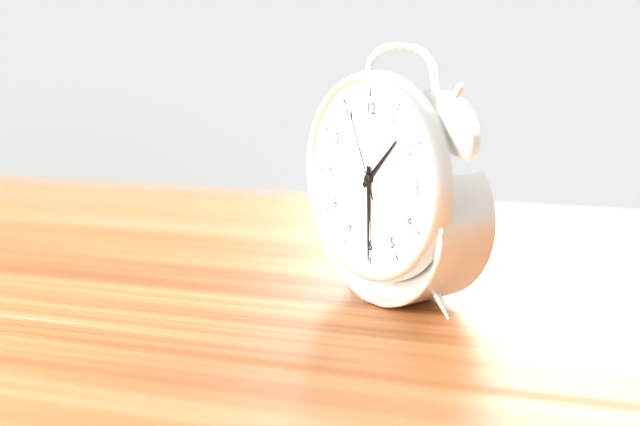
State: 1h30m56s
